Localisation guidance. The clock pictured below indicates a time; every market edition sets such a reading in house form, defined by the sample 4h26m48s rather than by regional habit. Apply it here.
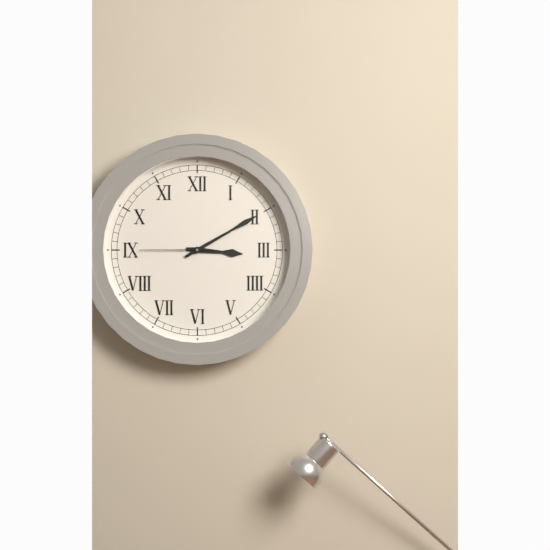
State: 3h10m45s
